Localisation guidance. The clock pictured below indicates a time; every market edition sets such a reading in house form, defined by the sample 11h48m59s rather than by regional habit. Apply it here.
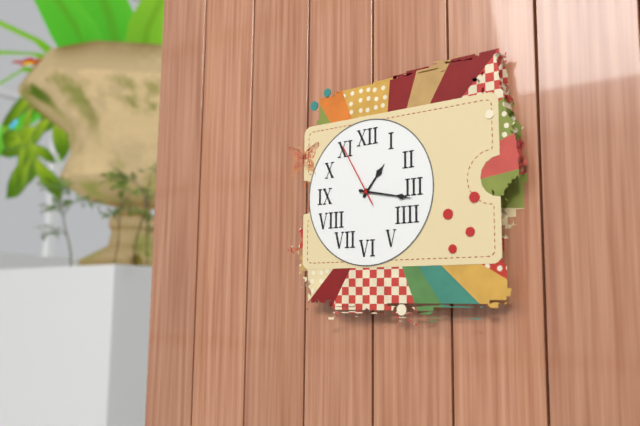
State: 1h17m55s
